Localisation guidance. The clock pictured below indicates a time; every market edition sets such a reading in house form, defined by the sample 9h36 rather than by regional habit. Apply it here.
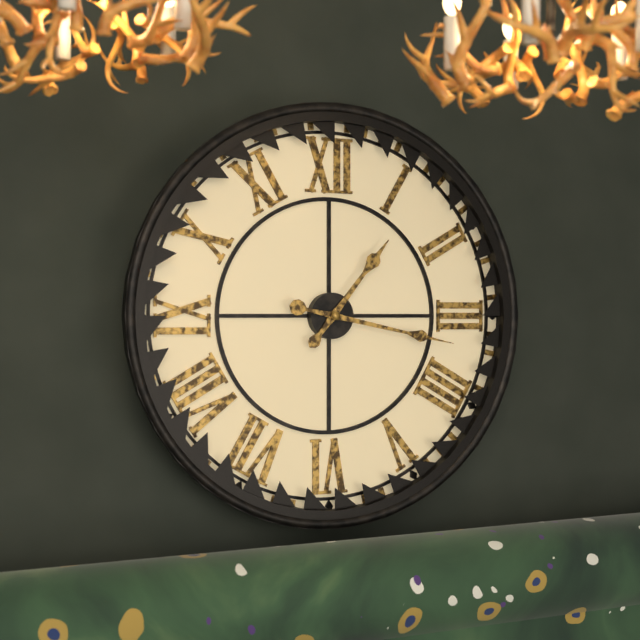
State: 1h17
